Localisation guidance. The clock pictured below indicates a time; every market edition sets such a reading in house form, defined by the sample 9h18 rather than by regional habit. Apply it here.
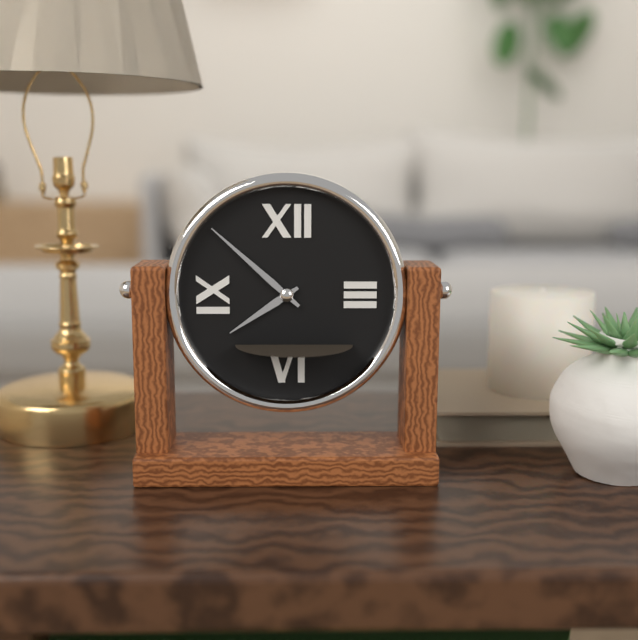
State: 7h52
